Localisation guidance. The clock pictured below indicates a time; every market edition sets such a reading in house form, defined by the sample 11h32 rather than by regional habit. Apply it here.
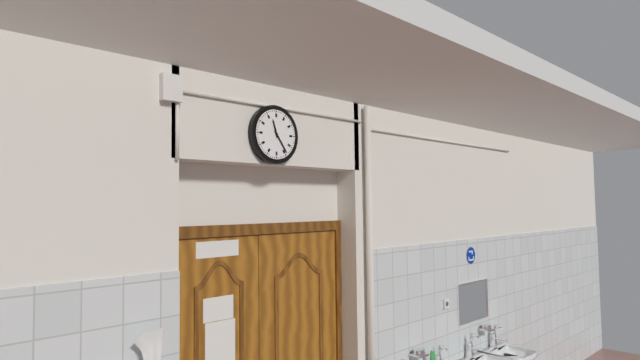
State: 11h24
